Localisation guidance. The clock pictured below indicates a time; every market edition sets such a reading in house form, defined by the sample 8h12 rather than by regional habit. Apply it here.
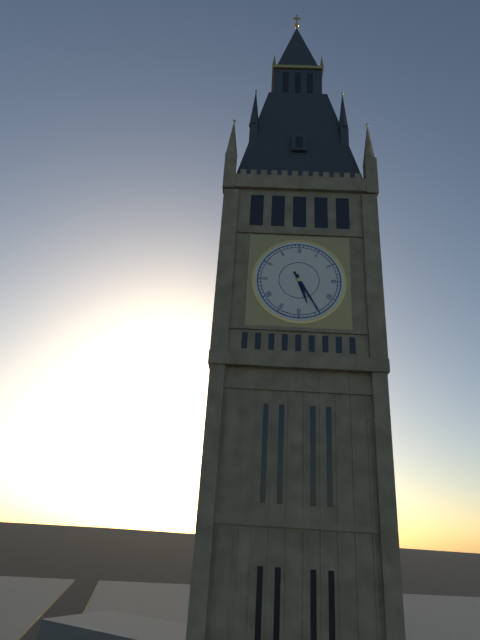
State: 5h25
